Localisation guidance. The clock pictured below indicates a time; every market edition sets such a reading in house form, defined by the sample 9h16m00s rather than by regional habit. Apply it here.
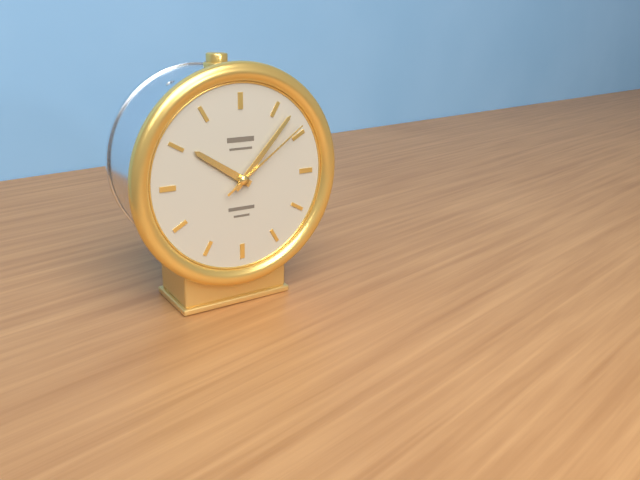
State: 10h07m09s
